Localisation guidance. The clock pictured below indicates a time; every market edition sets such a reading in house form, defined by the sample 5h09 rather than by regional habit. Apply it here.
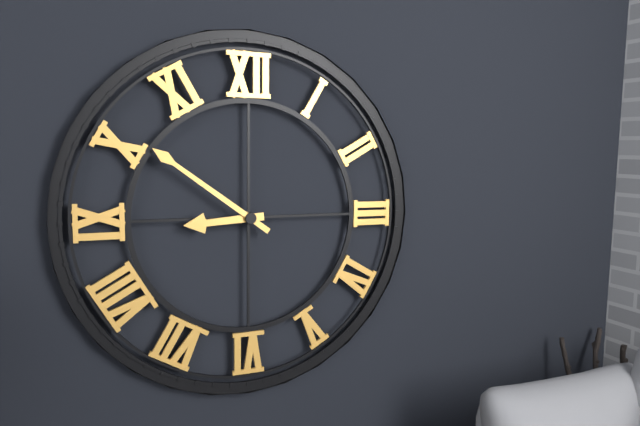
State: 8h51
